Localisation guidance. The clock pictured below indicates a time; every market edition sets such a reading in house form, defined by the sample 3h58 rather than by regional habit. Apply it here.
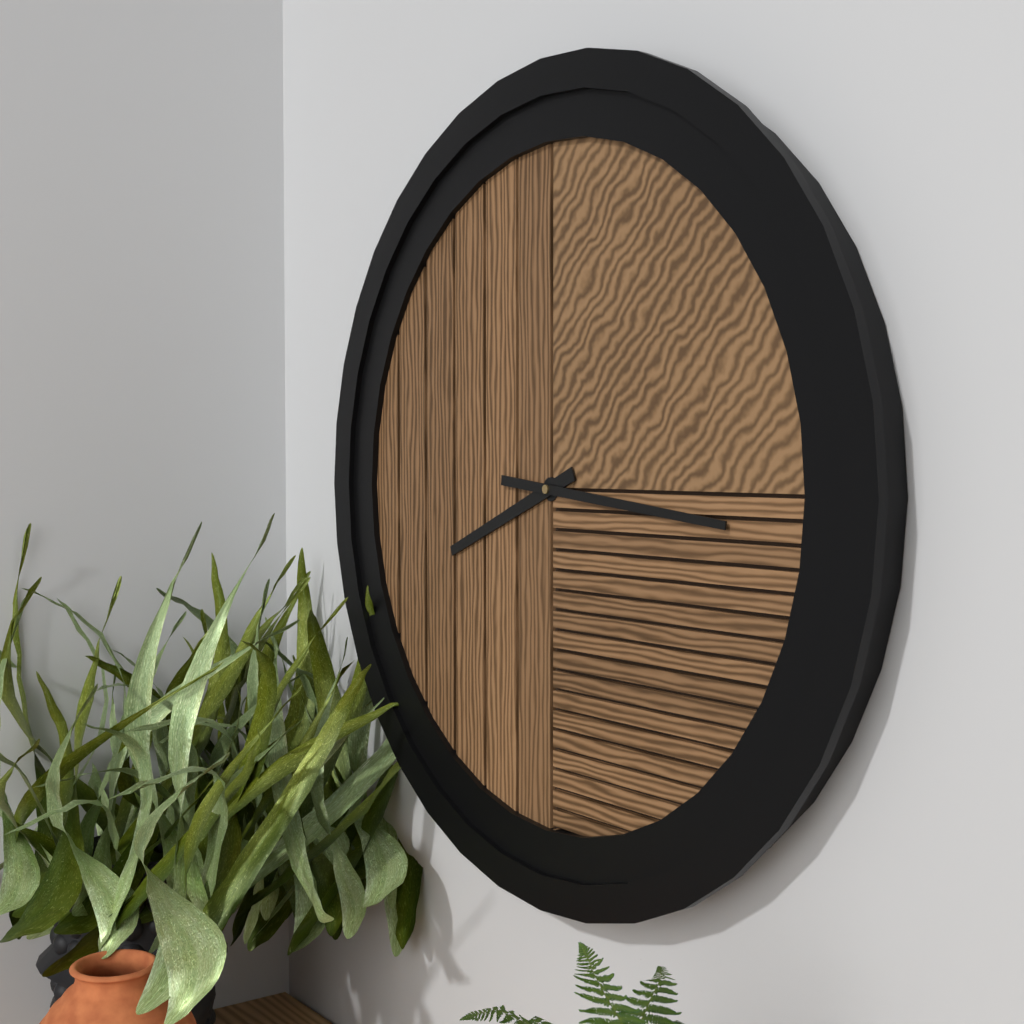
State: 8h16
